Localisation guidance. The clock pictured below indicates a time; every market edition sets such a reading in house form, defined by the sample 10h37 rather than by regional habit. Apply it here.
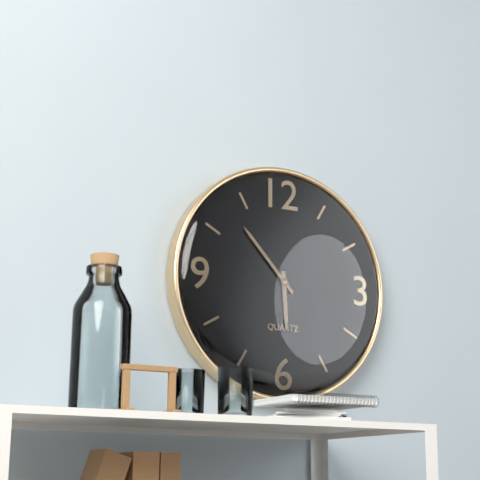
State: 5h53
